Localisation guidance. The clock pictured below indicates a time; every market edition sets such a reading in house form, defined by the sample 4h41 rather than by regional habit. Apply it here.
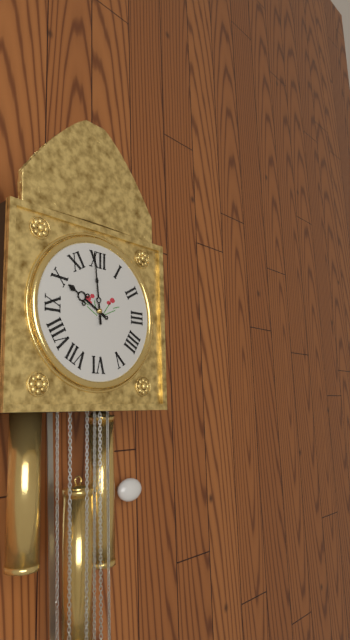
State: 9h59
